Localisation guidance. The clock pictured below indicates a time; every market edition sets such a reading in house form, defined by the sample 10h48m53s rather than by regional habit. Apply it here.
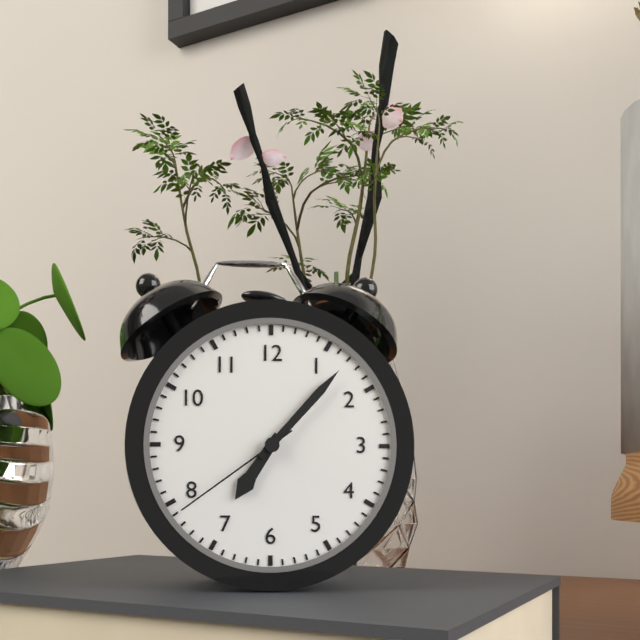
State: 7h07m39s
